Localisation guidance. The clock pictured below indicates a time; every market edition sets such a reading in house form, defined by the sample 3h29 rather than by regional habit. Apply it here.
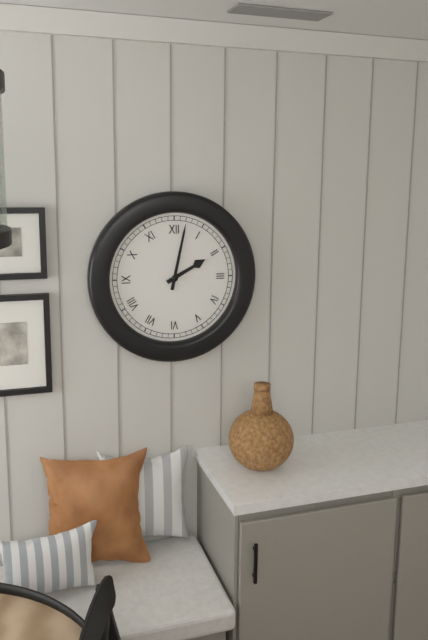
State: 2h02
